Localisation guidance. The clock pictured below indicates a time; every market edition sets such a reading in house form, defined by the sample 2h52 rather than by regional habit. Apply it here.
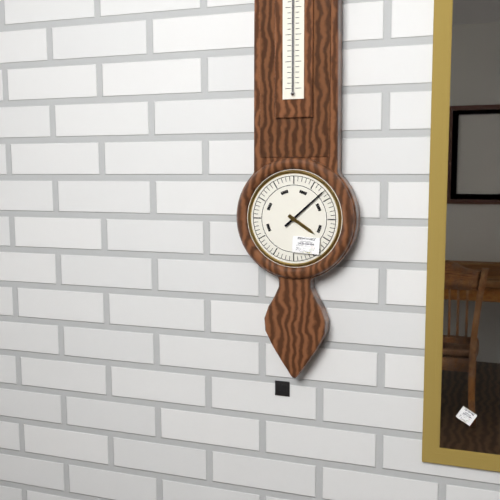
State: 4h08
